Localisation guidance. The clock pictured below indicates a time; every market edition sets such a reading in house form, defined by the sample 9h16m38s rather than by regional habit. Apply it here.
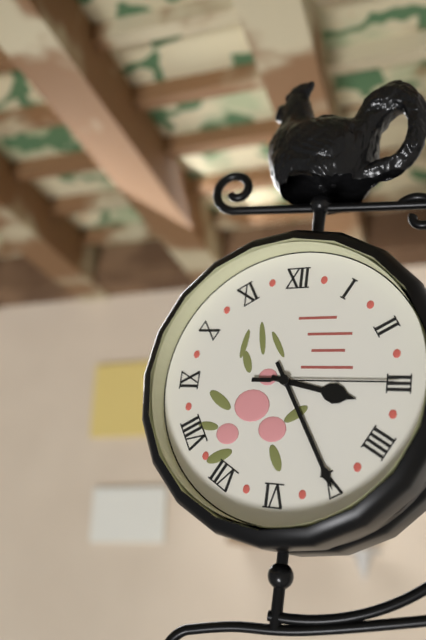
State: 3h25m15s
